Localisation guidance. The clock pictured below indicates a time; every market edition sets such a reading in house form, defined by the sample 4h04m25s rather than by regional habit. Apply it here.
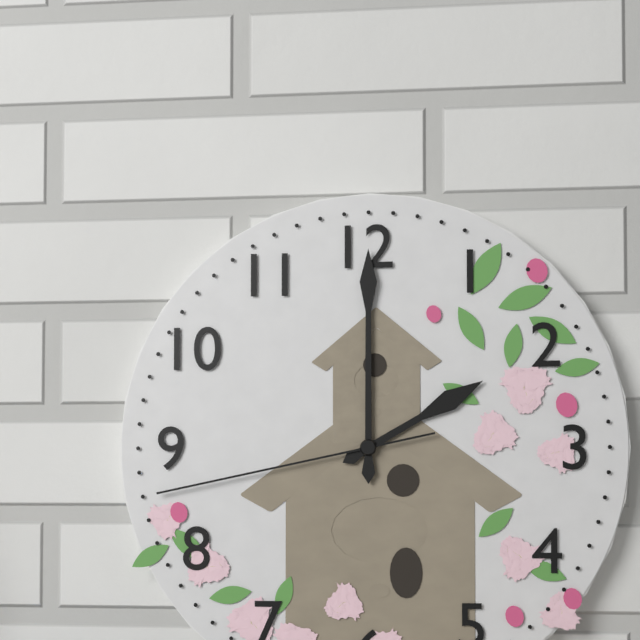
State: 2h00m43s
